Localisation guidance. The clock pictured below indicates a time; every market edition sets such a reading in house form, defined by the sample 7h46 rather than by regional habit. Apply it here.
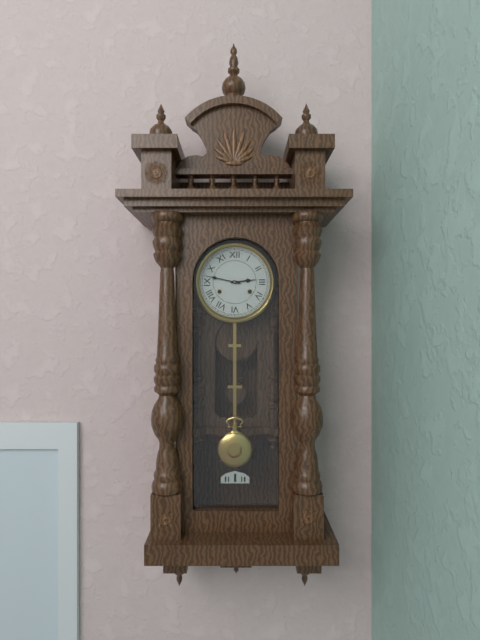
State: 2h47
